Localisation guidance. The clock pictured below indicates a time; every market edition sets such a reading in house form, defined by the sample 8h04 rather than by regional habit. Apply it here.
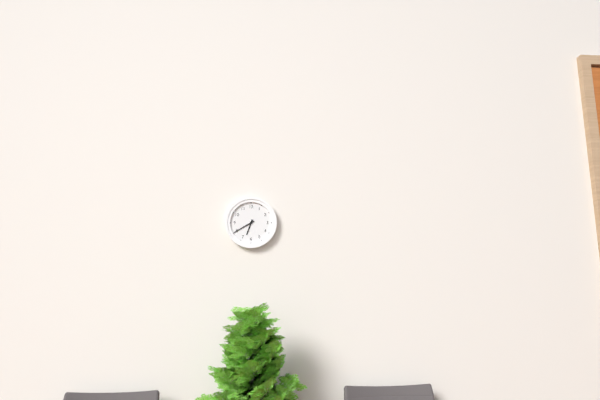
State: 6h40
